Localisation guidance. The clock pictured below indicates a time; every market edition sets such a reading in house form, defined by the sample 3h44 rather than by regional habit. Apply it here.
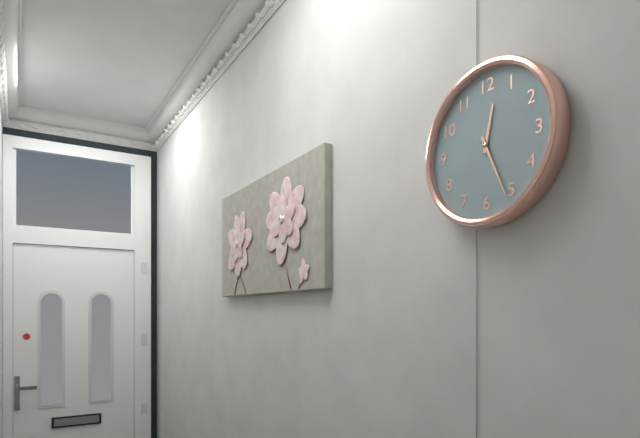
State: 12h26
